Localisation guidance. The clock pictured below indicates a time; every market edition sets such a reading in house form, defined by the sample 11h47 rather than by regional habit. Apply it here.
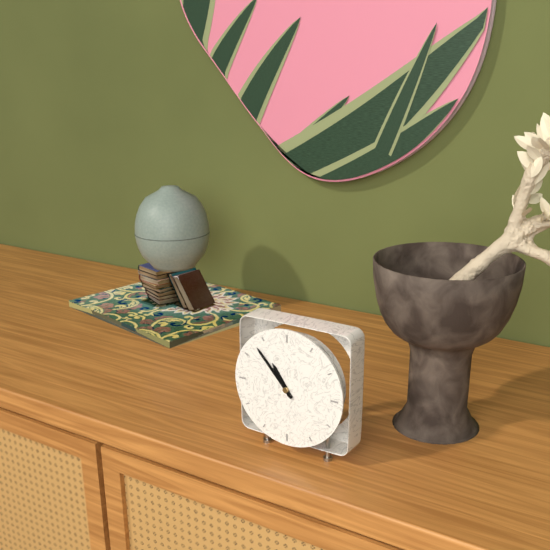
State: 10h53
